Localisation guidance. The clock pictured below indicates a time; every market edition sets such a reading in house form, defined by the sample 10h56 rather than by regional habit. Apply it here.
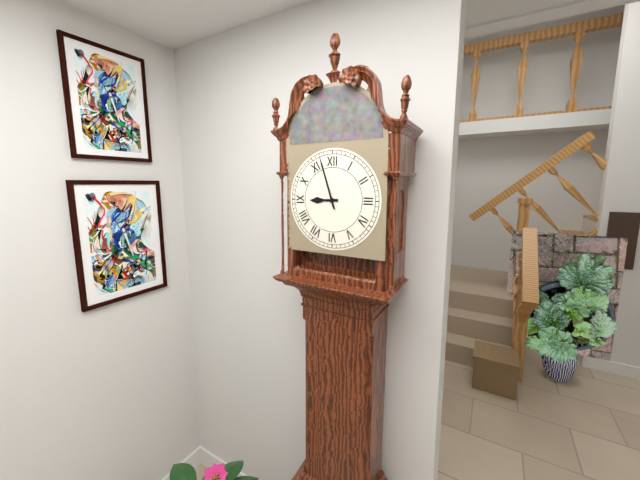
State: 8h57
